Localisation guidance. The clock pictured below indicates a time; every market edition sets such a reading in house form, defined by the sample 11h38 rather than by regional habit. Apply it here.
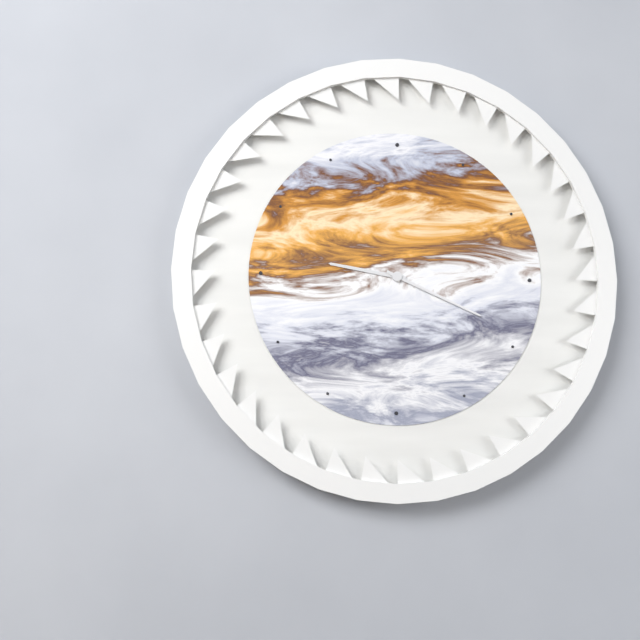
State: 9h19
